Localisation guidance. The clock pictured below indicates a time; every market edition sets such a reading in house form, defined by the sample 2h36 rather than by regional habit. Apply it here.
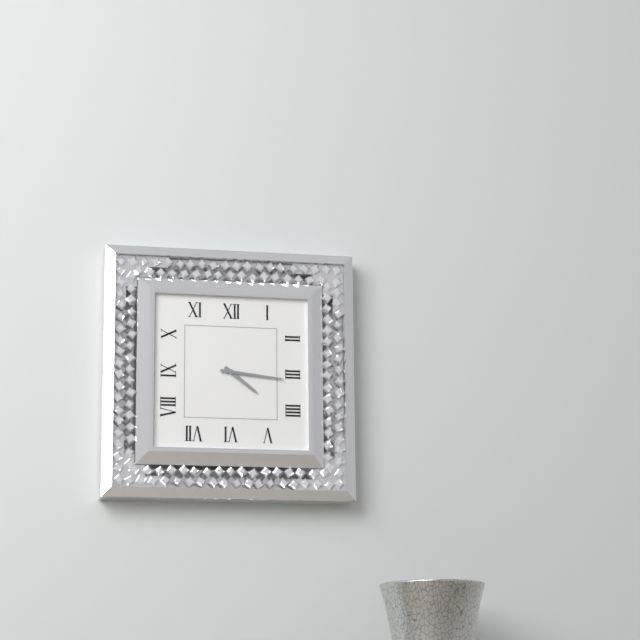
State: 4h16
